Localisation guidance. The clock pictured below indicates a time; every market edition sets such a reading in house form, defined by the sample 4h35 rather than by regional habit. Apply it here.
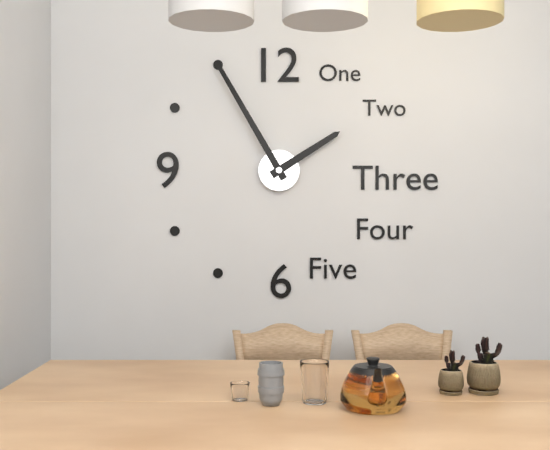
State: 1h55
